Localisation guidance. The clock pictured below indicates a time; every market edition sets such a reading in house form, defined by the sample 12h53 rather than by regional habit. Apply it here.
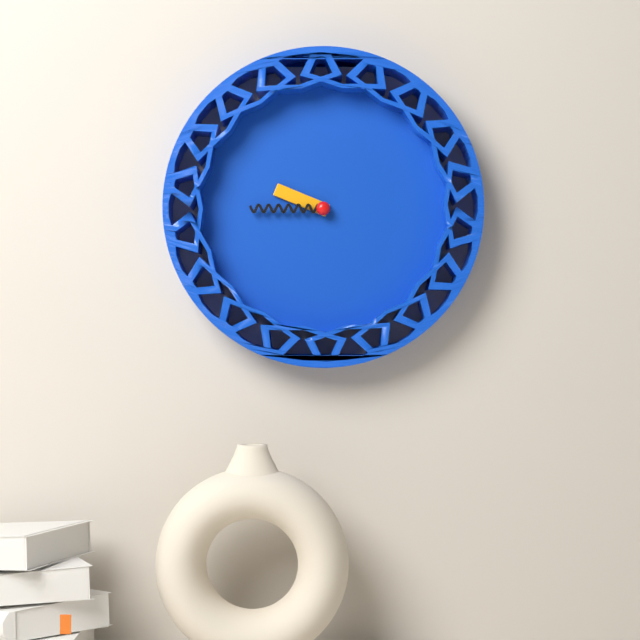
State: 9h45
